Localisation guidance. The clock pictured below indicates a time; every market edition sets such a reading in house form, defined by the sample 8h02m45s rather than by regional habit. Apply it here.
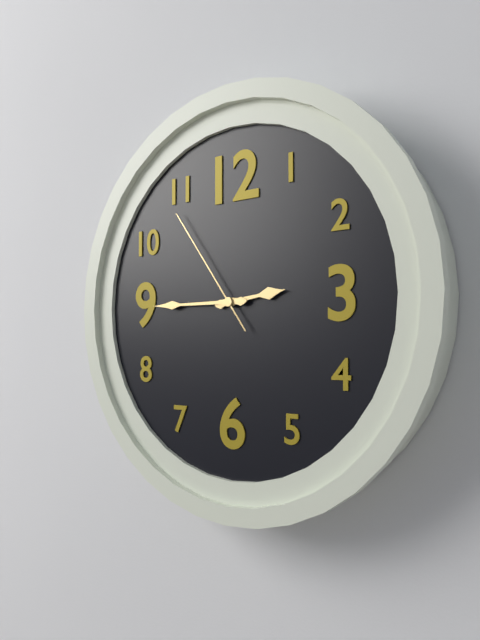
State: 2h45m54s
